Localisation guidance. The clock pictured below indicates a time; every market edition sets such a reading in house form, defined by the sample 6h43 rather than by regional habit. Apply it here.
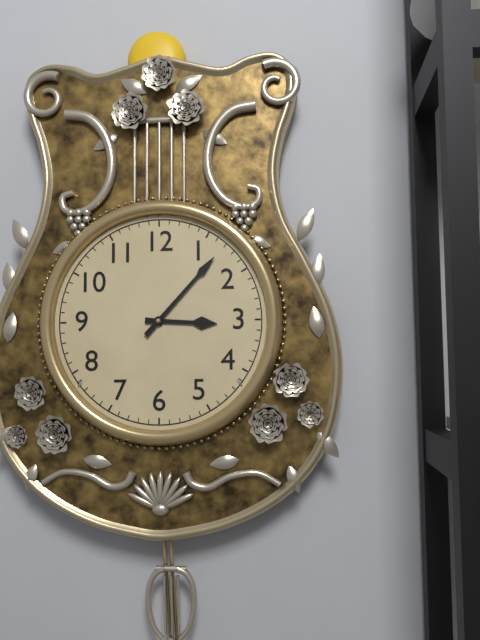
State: 3h07
